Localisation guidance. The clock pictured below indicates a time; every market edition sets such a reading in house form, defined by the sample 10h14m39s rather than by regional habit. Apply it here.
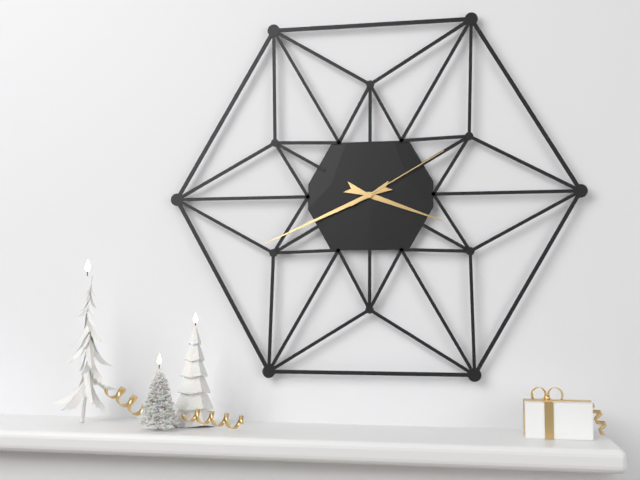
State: 3h41m10s
